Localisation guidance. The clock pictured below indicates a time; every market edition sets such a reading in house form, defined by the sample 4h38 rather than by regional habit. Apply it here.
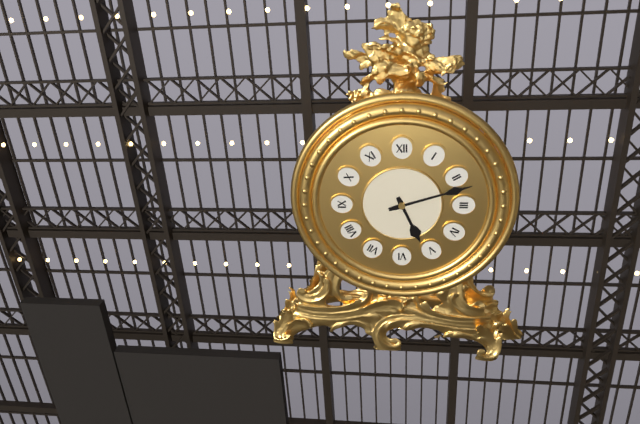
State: 5h12
